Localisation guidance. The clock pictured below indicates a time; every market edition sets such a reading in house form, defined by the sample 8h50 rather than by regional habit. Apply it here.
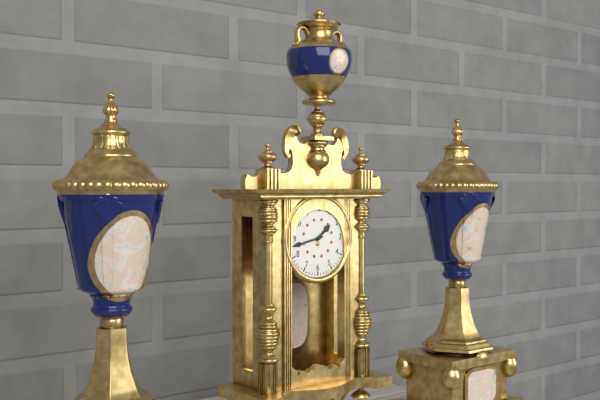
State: 1h43
